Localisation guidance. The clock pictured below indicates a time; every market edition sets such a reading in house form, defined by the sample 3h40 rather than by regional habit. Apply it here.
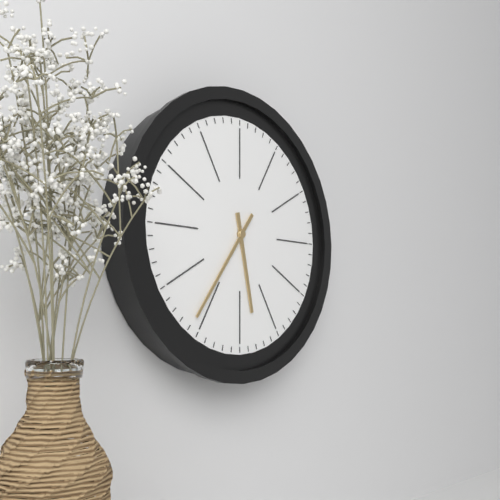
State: 5h36
